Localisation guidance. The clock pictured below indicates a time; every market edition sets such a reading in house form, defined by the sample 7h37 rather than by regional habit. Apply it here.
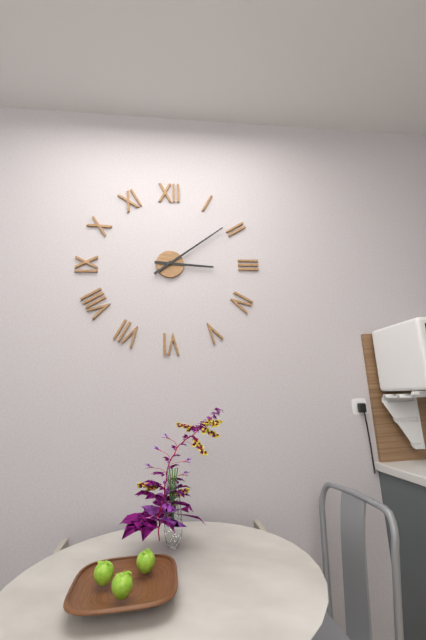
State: 3h09
